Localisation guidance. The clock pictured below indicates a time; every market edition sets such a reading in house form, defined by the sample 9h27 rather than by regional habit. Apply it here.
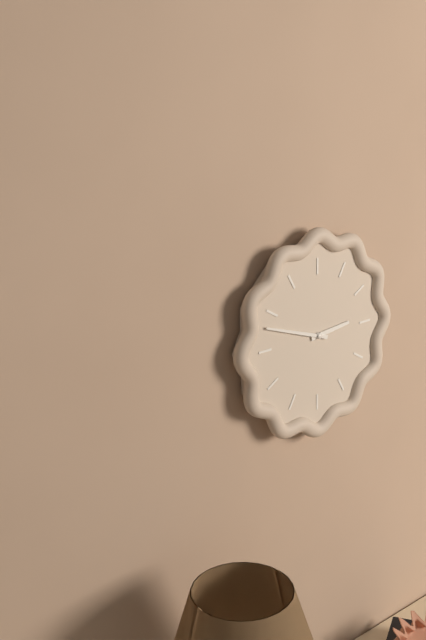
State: 2h48
